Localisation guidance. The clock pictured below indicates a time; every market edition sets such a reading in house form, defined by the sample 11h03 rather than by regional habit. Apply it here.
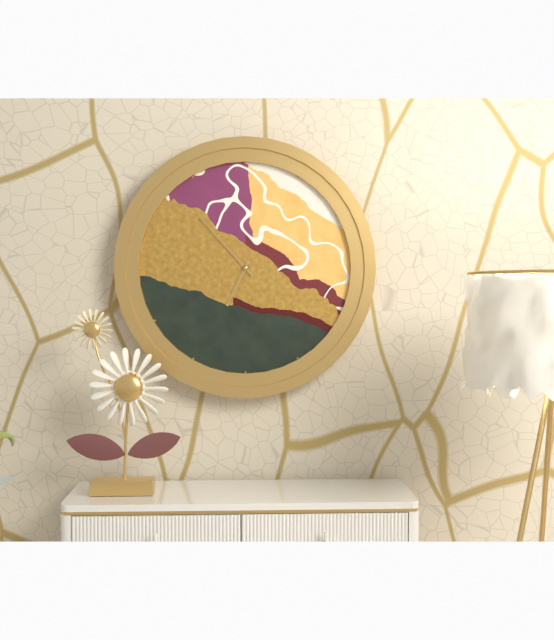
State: 6h53
